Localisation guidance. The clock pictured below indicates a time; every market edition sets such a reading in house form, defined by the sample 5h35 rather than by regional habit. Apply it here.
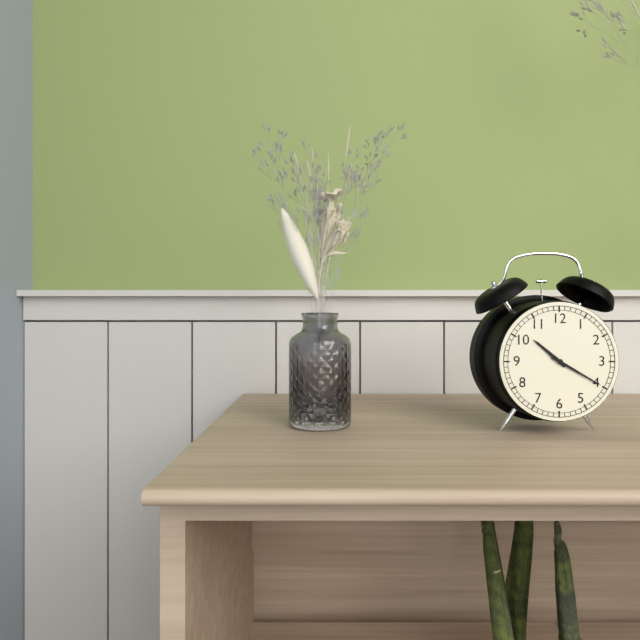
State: 10h20
